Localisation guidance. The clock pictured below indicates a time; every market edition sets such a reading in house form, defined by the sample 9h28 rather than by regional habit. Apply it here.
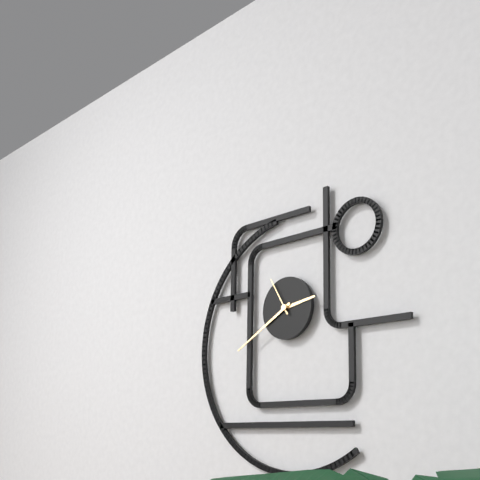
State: 2h40
